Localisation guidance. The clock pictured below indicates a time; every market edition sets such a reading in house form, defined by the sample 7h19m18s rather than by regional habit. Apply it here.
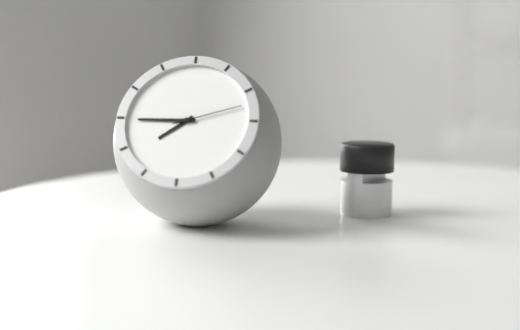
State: 7h45m12s
